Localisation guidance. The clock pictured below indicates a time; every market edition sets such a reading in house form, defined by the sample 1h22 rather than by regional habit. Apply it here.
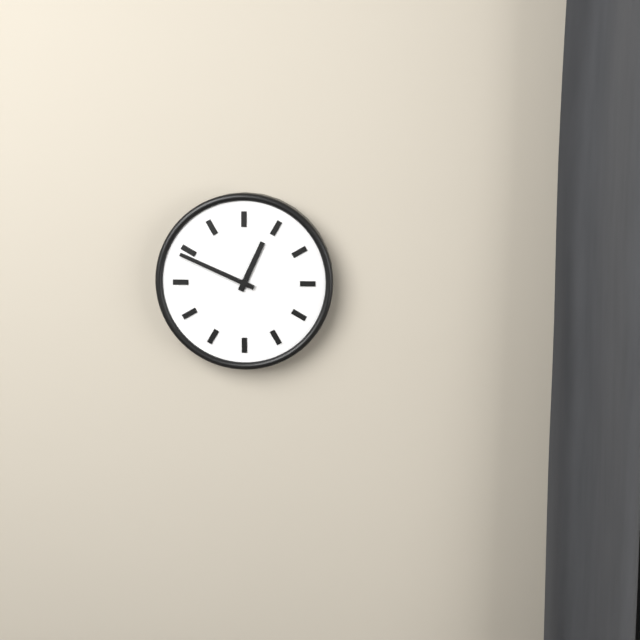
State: 12h49
